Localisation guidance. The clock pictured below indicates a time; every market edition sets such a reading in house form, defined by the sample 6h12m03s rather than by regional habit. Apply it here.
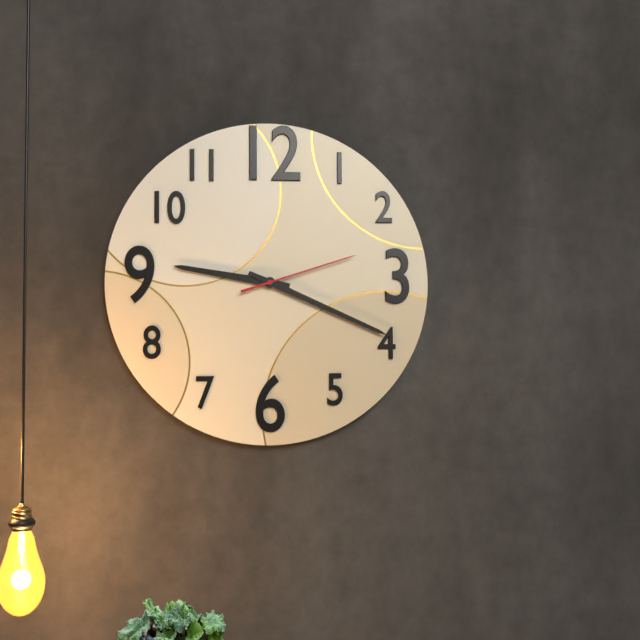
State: 9h19m12s
